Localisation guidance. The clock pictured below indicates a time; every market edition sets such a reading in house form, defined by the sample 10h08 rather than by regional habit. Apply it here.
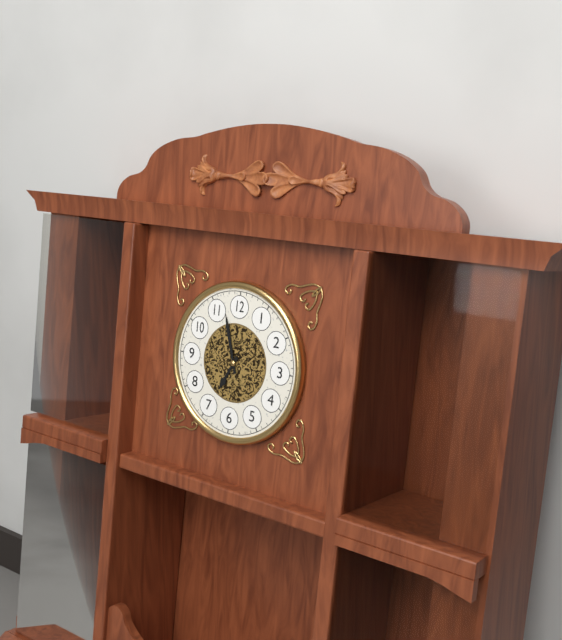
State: 6h57
